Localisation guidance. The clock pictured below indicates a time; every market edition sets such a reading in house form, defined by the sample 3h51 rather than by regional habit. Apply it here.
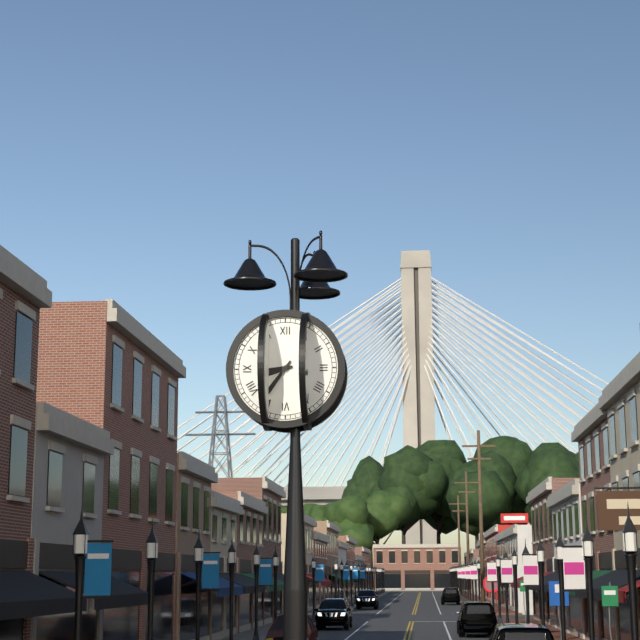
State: 8h36
